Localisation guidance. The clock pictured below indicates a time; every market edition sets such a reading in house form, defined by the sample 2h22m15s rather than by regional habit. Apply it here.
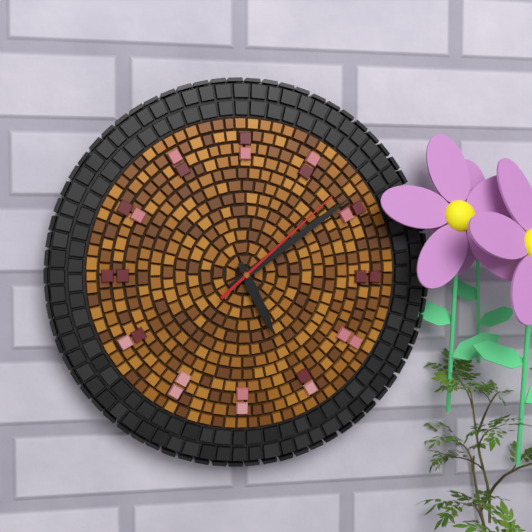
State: 5h09m08s
